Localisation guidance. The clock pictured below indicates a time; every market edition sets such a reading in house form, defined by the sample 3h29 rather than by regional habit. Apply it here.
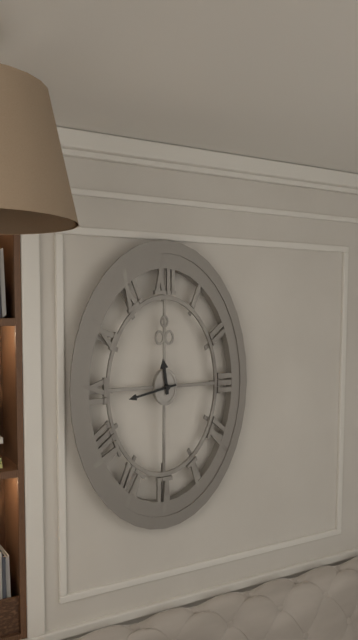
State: 11h43
